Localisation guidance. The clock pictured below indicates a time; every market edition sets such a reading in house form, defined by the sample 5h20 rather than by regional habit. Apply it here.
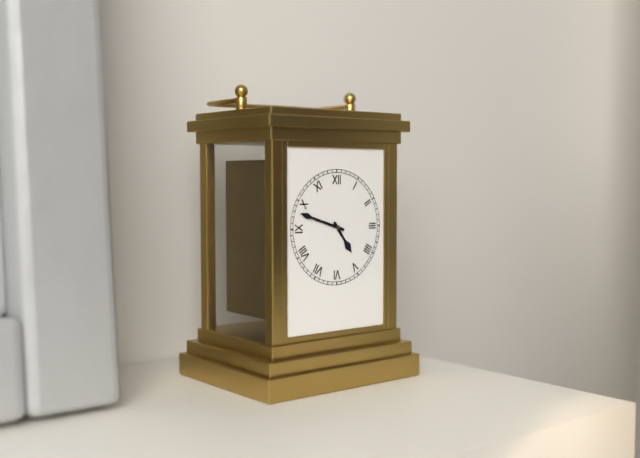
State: 4h48
